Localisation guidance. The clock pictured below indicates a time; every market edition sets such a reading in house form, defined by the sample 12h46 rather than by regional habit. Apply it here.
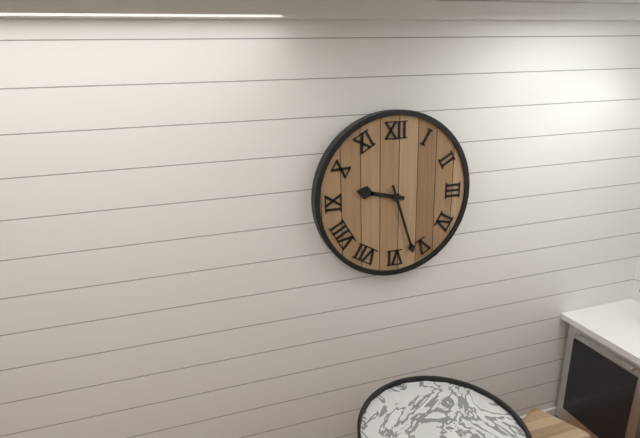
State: 9h27
